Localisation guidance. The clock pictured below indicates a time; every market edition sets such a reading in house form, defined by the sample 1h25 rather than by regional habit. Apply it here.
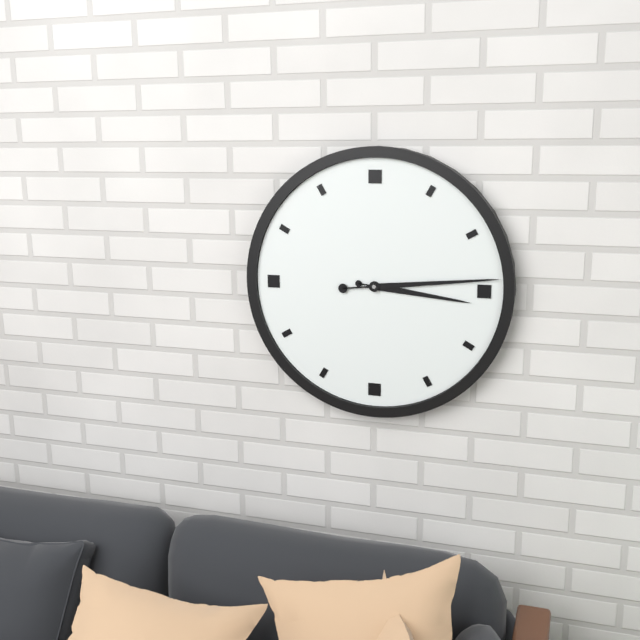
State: 3h14
